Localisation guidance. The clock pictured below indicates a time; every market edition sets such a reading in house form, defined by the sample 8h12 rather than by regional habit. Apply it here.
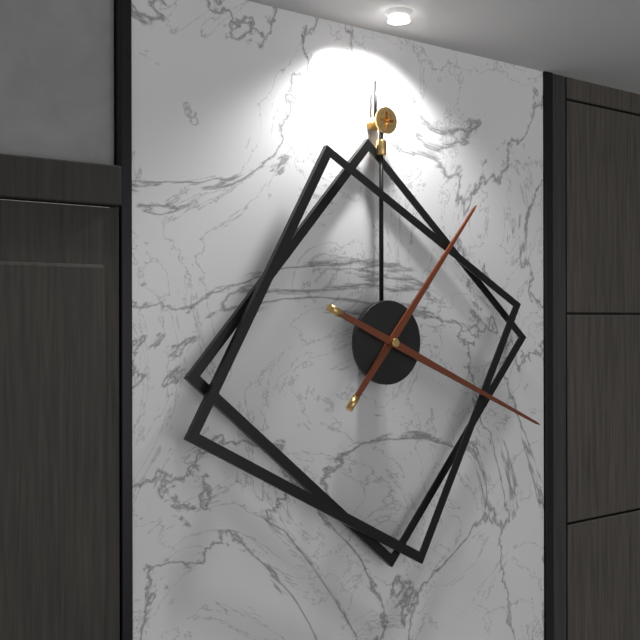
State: 1h19
